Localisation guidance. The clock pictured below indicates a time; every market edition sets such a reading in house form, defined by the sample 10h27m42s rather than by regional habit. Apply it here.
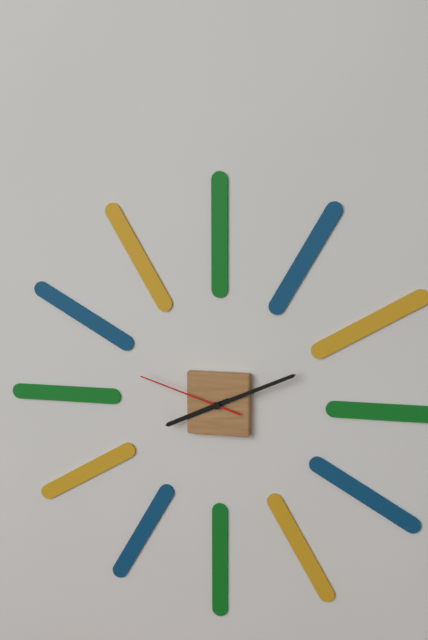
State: 8h11m48s
